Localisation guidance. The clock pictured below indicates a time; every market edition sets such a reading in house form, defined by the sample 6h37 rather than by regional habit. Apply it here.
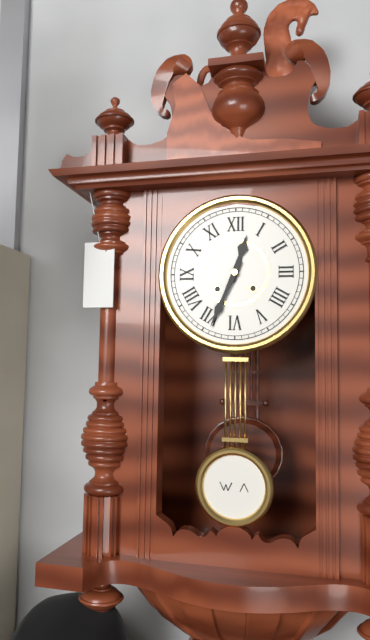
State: 12h34
